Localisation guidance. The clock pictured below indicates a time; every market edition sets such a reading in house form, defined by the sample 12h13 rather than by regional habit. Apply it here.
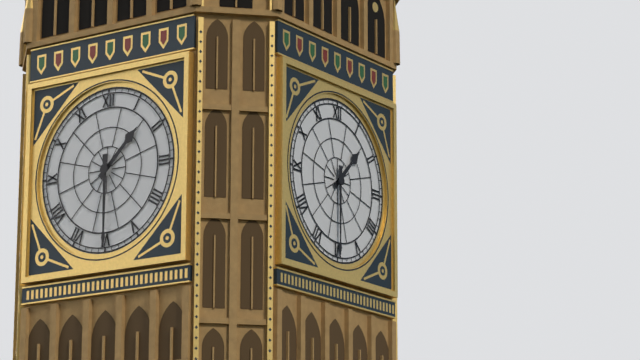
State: 1h30
